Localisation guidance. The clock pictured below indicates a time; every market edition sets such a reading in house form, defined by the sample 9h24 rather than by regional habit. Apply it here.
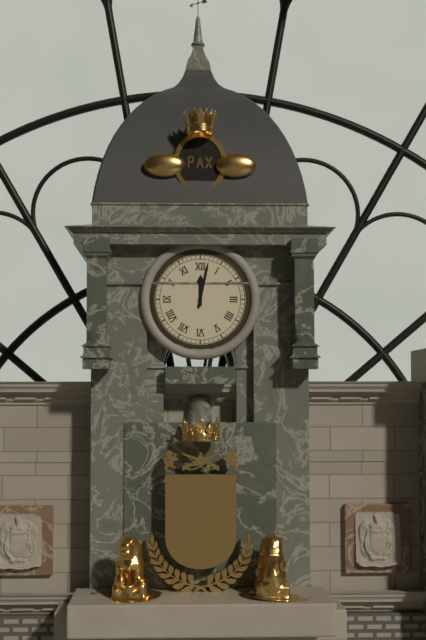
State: 12h02
